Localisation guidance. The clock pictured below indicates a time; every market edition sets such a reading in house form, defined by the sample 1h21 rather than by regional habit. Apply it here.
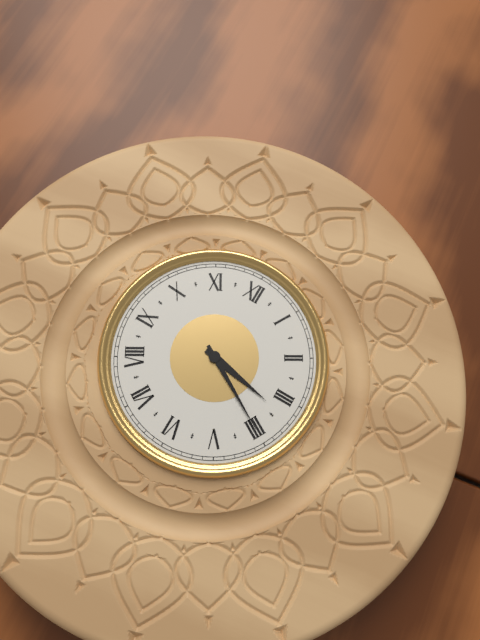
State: 3h20
